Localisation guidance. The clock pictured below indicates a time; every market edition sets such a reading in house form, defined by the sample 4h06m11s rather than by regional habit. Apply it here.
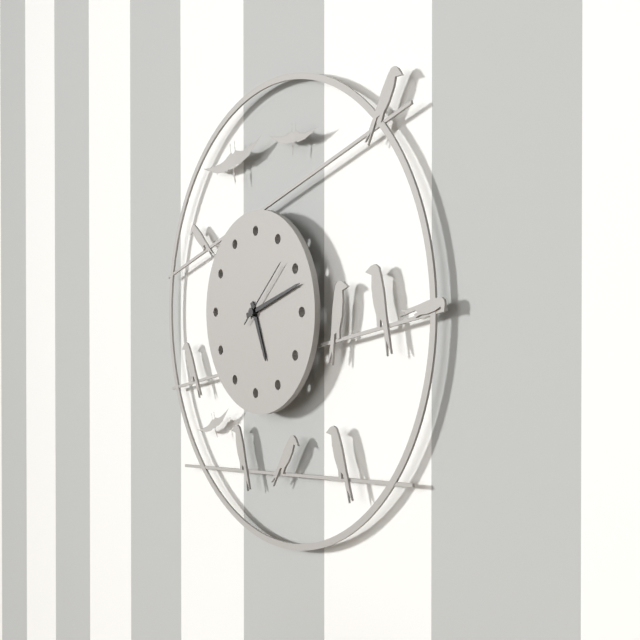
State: 5h12m08s
